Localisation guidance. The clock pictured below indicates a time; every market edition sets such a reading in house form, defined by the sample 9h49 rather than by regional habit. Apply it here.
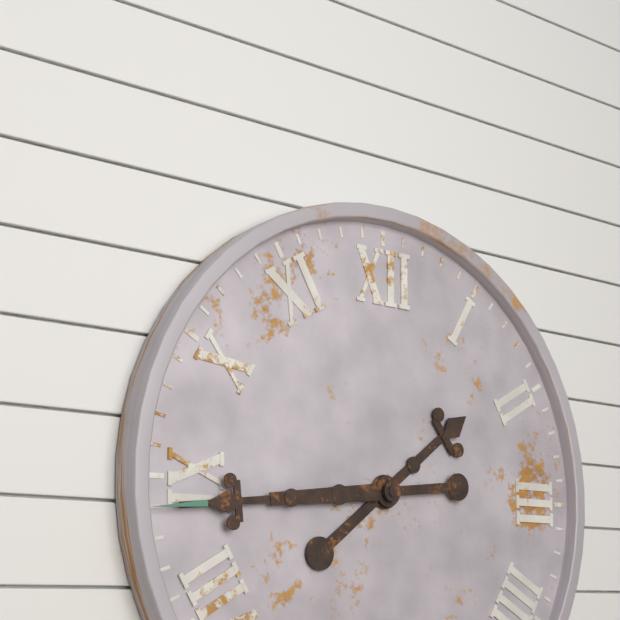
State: 1h44
